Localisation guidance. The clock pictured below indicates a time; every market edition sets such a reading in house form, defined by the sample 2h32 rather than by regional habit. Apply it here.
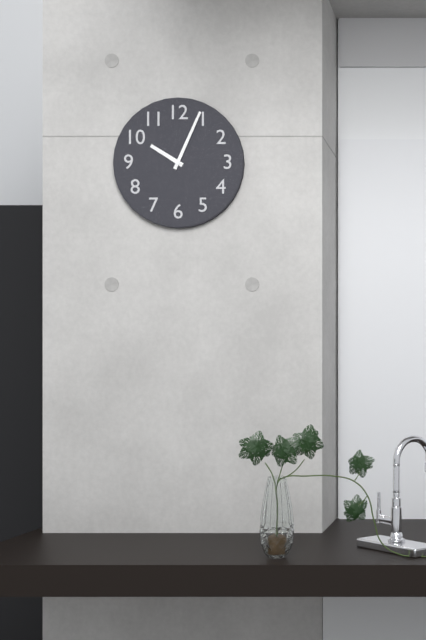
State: 10h04
